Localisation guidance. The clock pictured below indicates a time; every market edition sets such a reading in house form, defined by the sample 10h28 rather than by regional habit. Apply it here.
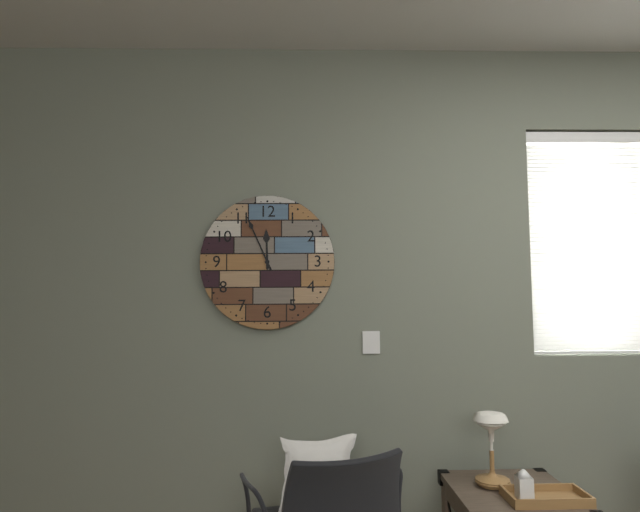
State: 11h56
